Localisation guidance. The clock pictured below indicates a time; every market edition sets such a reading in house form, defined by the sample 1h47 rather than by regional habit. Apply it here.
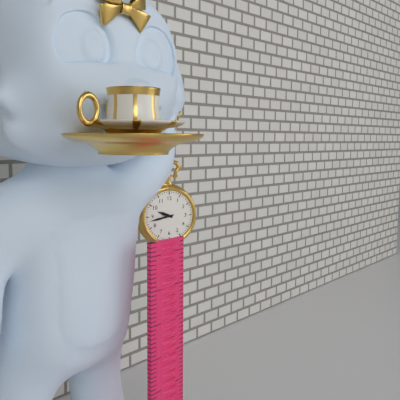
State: 9h43
